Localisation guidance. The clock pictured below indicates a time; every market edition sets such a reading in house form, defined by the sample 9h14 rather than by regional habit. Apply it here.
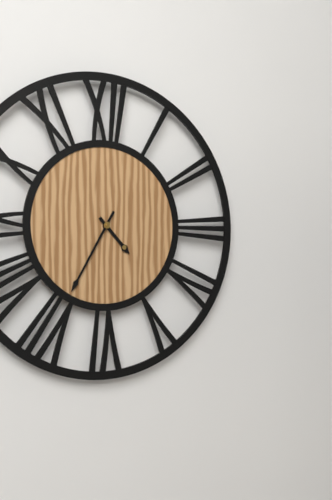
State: 4h35
